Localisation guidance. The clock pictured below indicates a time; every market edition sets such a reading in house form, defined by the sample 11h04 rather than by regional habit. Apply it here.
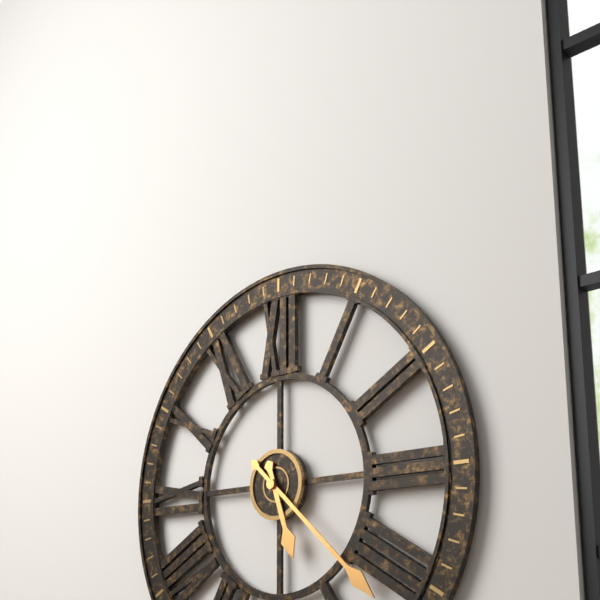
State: 5h22
